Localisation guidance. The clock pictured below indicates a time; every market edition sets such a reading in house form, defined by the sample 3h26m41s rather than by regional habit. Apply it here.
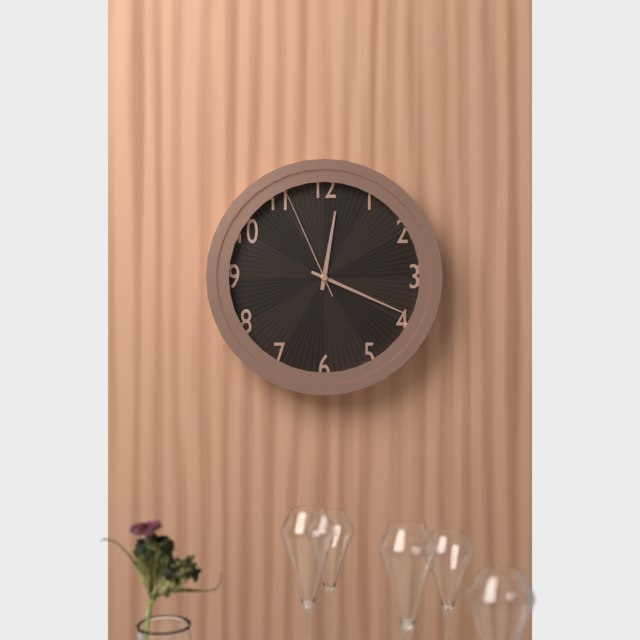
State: 12h19m56s
